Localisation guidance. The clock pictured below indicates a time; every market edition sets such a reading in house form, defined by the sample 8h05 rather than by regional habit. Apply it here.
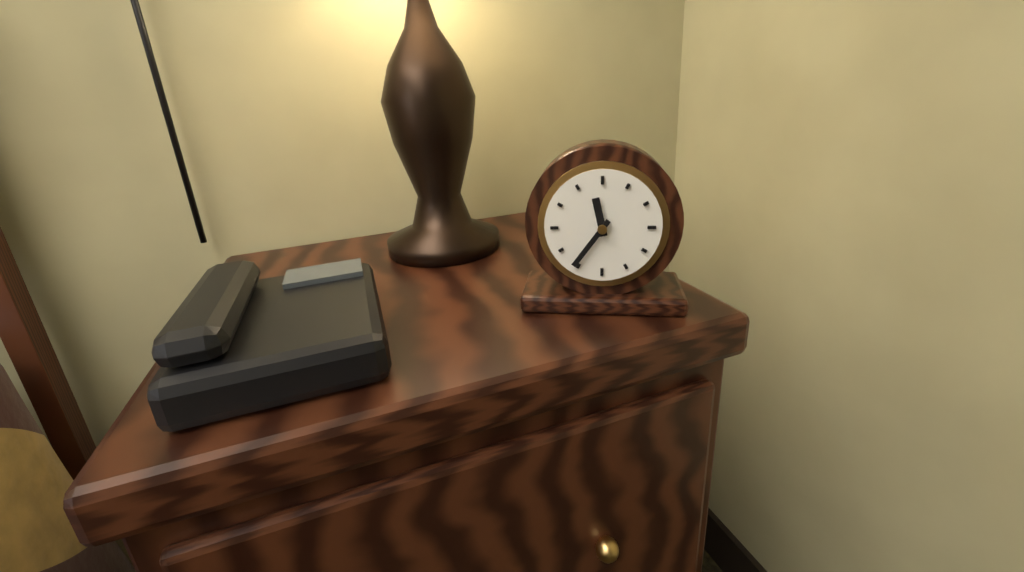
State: 11h36
